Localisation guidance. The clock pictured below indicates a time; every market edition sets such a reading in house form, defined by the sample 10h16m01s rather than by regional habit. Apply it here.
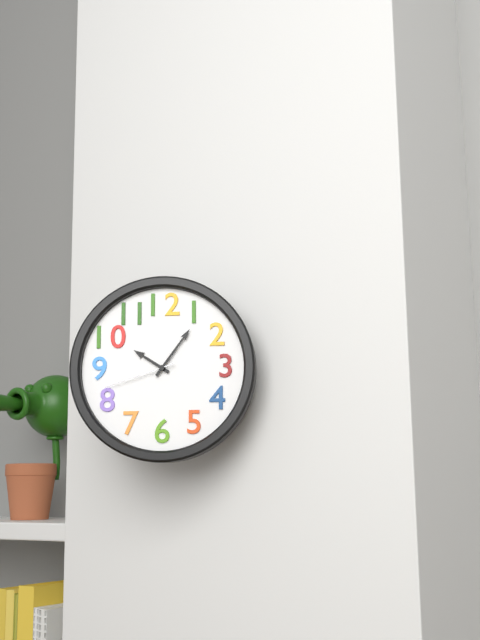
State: 10h06m42s
